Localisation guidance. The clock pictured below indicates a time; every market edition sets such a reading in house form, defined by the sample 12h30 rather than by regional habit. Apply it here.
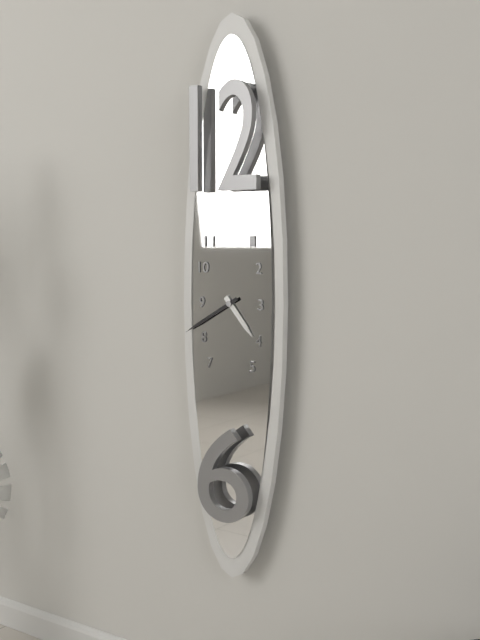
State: 4h40
